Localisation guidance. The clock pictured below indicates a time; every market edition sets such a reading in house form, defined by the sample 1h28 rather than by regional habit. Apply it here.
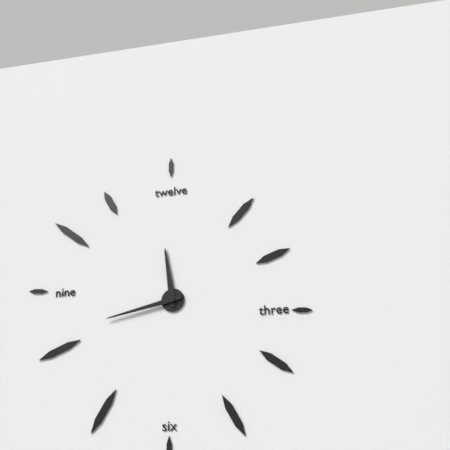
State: 11h43
